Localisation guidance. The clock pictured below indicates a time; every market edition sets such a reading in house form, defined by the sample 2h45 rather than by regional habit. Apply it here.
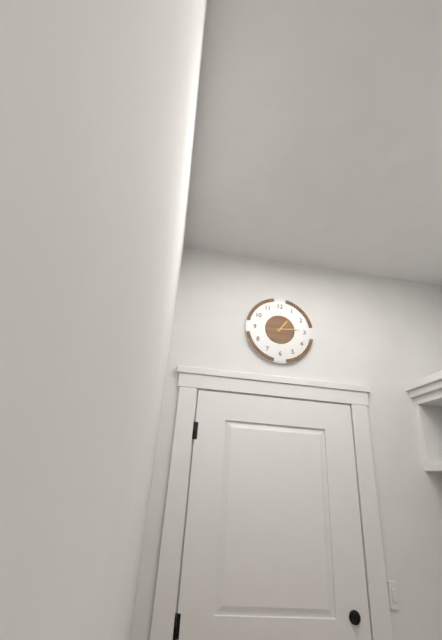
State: 1h14
